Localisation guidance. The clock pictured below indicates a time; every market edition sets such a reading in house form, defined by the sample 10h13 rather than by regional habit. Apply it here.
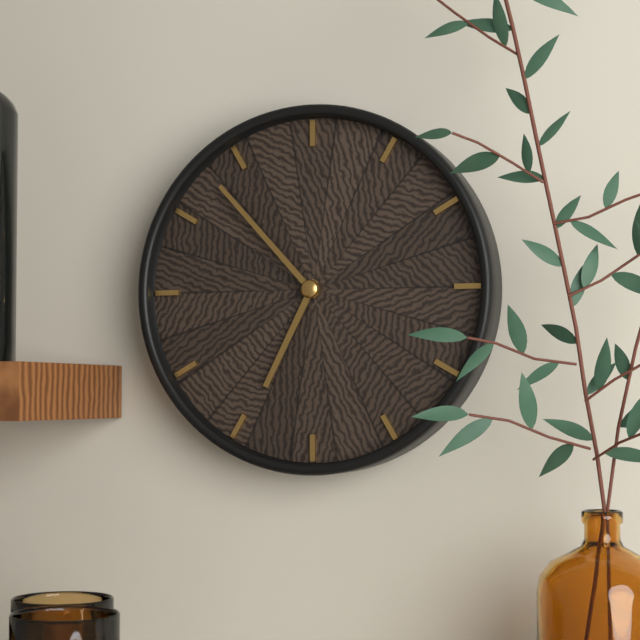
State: 6h53
